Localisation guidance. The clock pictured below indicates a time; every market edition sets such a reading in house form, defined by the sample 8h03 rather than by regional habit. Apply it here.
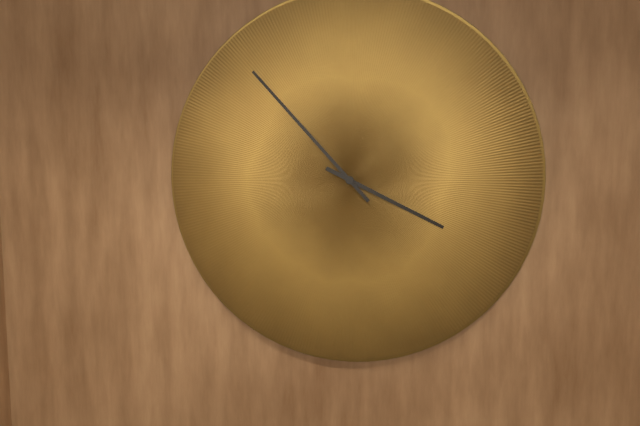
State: 3h53
